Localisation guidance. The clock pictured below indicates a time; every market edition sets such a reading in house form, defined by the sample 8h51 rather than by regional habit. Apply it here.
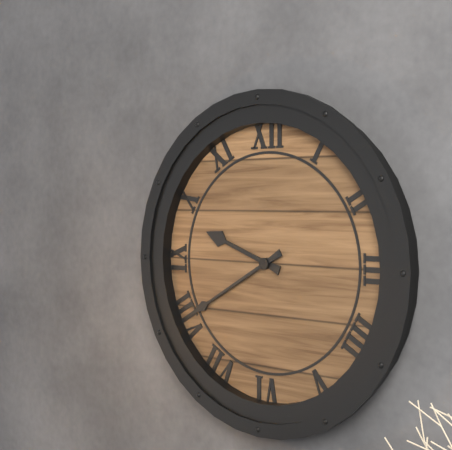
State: 9h40
